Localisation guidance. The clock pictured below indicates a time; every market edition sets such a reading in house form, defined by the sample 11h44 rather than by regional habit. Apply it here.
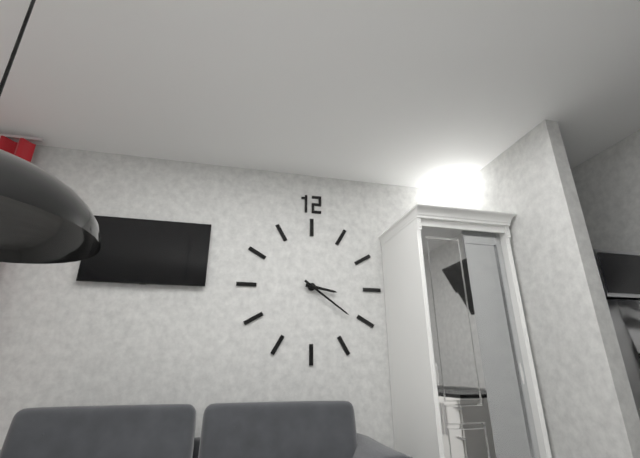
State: 3h21
